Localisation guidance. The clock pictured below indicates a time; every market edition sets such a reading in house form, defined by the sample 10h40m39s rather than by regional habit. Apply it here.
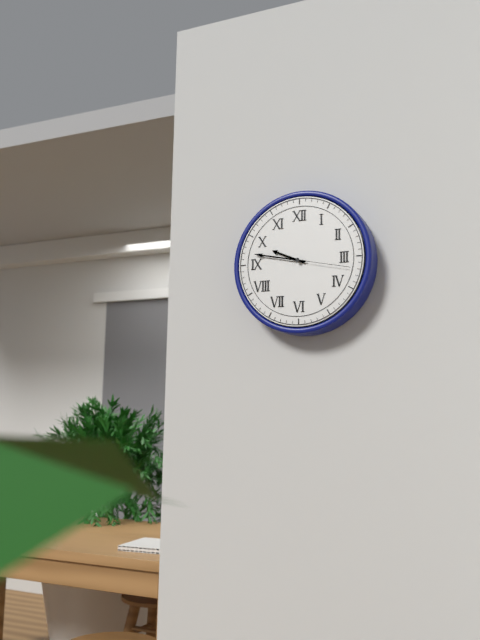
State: 9h47m17s
